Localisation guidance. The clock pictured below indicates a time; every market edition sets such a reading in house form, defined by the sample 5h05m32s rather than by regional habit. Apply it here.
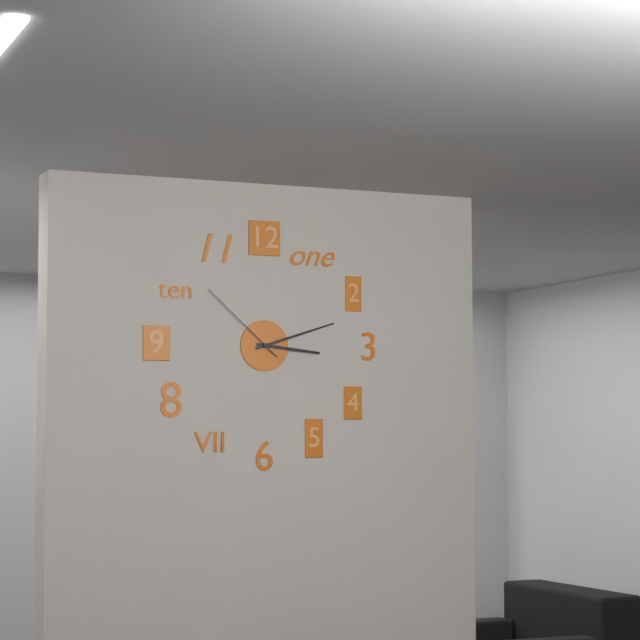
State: 3h12m52s
